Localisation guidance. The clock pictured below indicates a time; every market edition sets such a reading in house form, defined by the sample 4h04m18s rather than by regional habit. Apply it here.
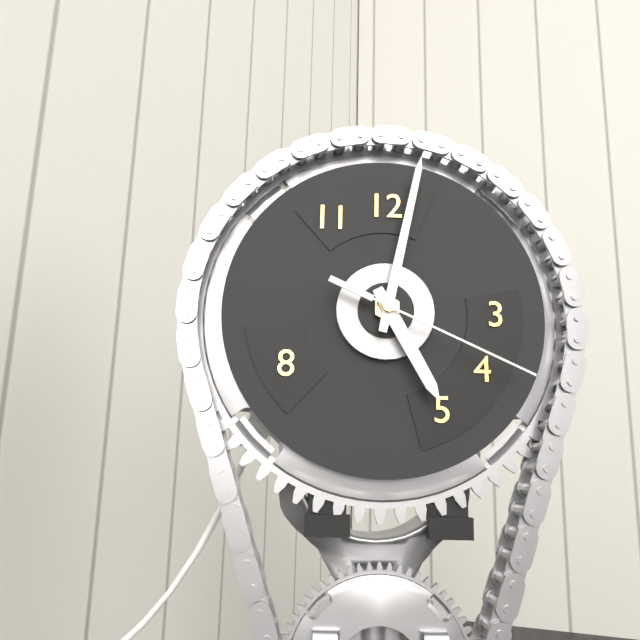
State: 5h02m19s
